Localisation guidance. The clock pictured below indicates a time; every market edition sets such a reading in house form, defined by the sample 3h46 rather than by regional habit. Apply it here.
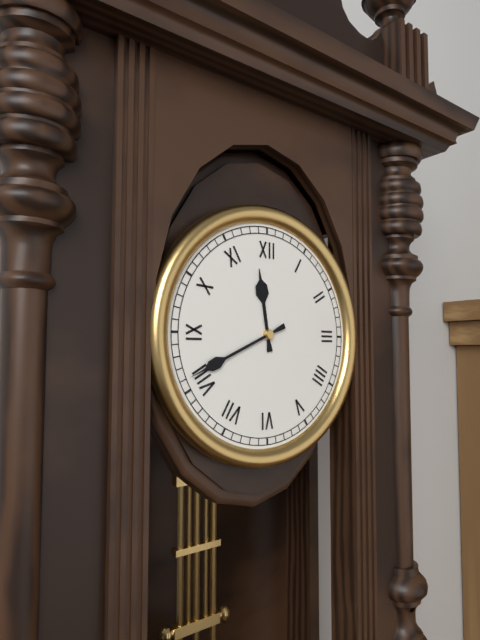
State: 11h41
